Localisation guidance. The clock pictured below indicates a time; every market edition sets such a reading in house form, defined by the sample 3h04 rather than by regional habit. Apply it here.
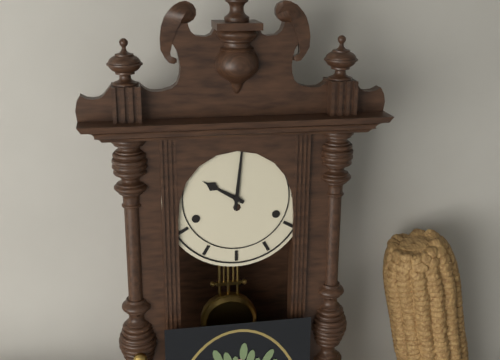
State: 10h01
